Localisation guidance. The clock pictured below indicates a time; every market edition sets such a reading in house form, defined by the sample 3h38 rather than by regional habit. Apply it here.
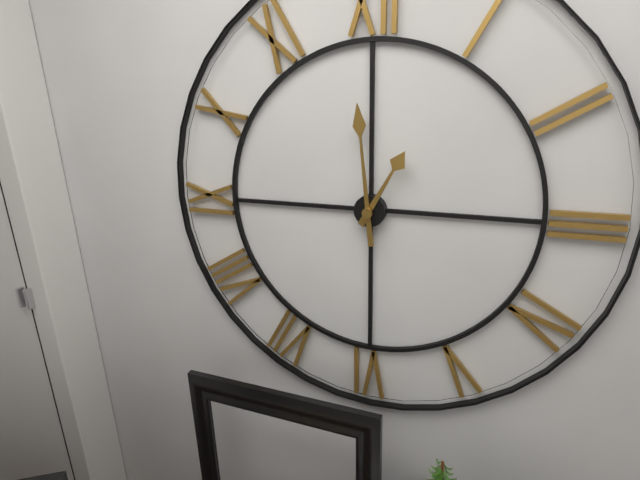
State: 12h59
